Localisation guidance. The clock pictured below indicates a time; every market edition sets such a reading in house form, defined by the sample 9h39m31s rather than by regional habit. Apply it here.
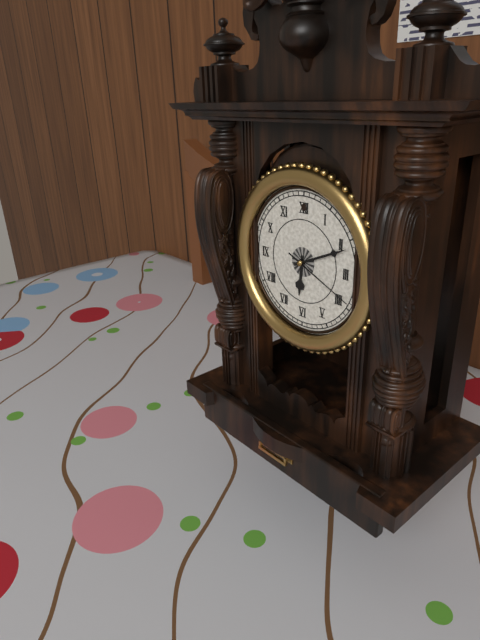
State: 6h11m19s
